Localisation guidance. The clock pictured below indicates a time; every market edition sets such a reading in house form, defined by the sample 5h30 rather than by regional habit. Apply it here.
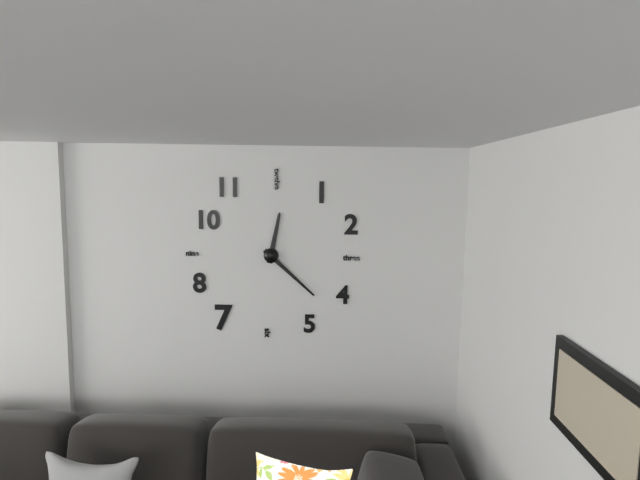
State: 12h22
